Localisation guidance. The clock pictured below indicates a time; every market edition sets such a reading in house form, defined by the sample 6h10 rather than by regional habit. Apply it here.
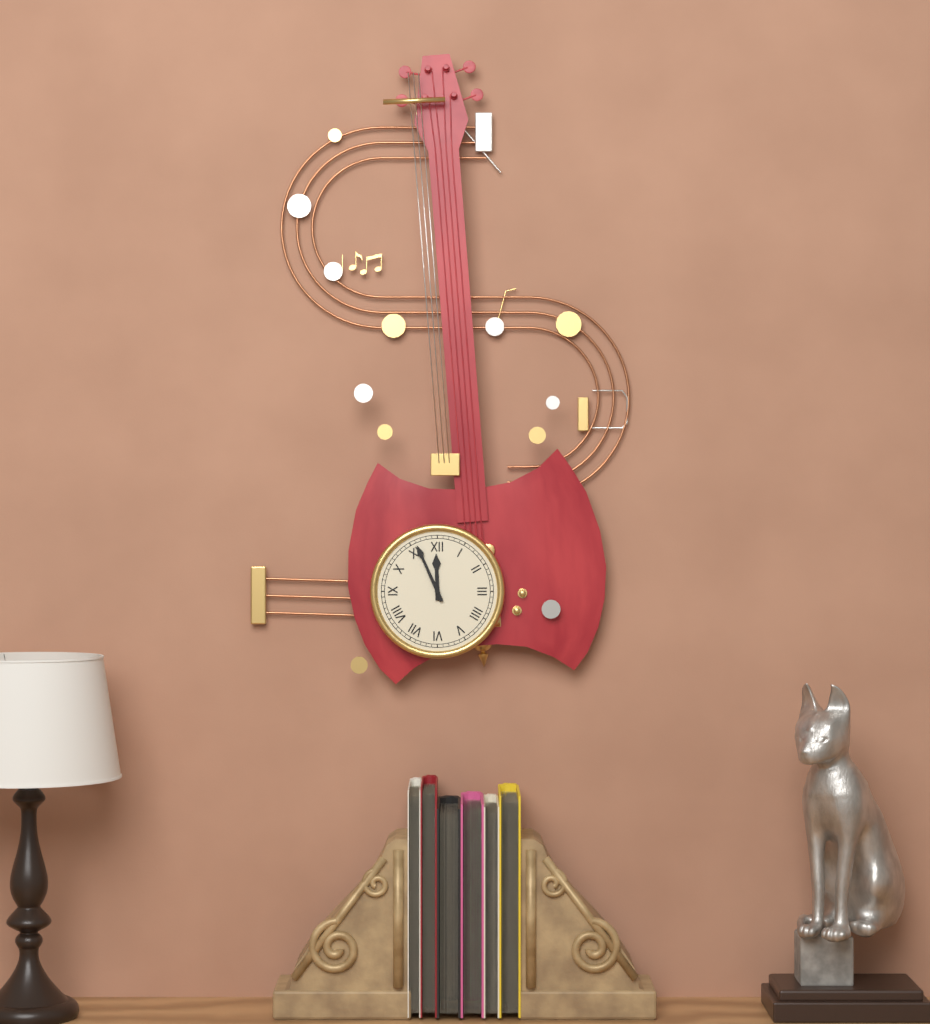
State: 11h56
